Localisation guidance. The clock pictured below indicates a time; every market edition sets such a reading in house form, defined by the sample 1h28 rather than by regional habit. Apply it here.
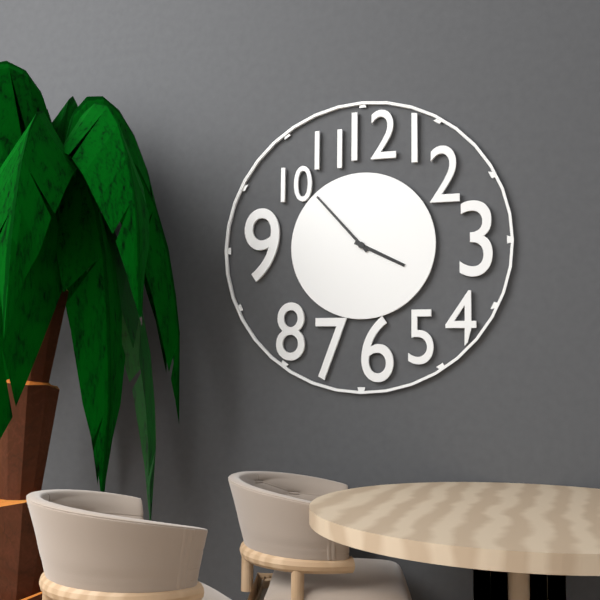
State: 3h53
